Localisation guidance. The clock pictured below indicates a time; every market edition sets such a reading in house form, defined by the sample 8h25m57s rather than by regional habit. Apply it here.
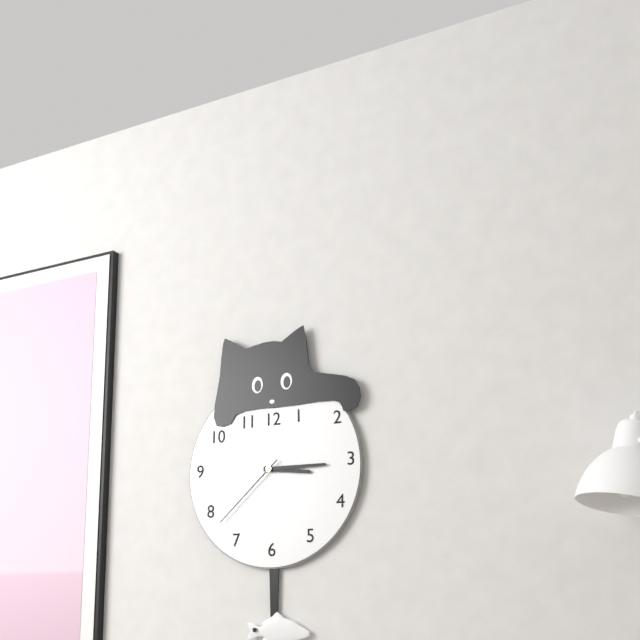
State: 3h15m38s
